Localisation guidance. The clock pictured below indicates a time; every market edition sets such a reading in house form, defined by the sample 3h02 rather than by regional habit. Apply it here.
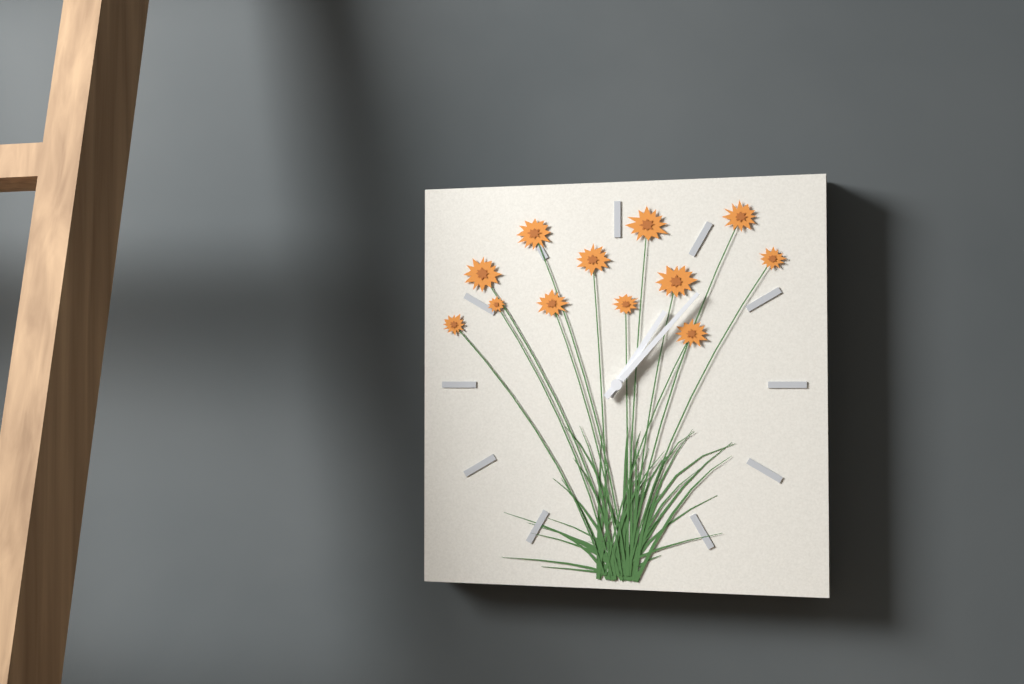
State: 1h07
